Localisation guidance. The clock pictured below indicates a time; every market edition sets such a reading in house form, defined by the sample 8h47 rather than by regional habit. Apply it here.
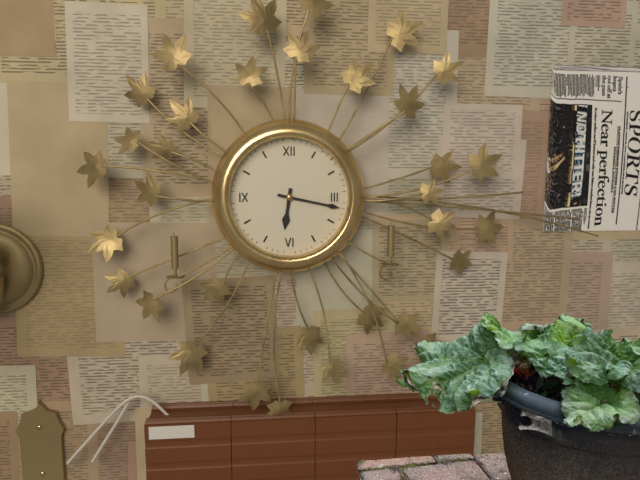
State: 6h17
